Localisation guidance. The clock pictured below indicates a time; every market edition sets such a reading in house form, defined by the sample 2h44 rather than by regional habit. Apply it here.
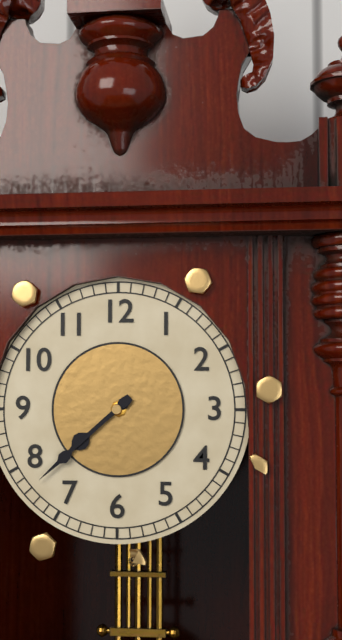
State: 7h38
